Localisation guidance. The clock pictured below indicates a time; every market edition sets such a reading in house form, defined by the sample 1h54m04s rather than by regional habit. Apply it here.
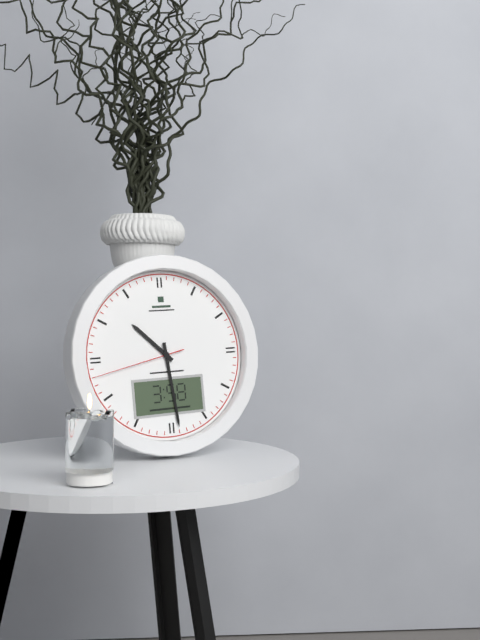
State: 10h29m43s
